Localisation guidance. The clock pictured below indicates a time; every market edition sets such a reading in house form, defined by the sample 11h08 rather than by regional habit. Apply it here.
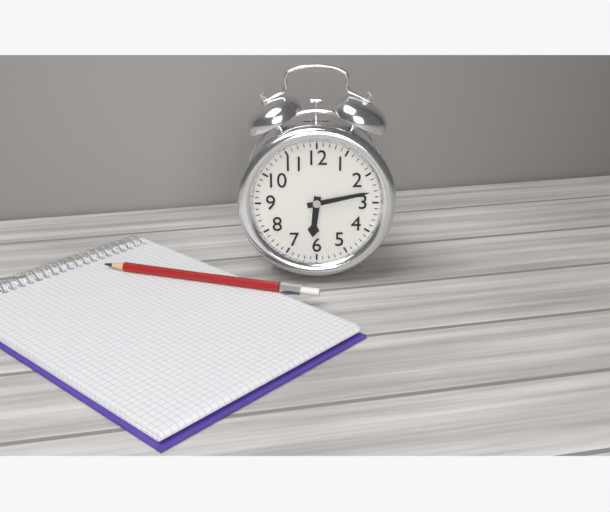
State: 6h13
